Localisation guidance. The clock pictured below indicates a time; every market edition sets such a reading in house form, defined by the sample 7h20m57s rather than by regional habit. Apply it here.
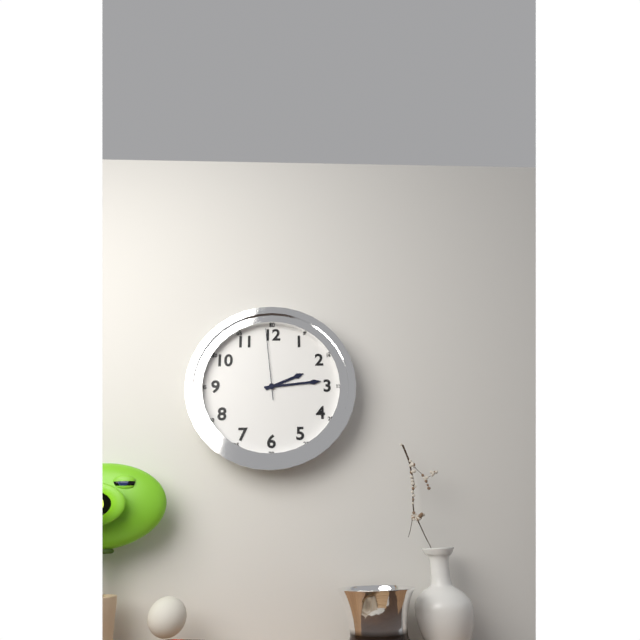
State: 2h14m59s
